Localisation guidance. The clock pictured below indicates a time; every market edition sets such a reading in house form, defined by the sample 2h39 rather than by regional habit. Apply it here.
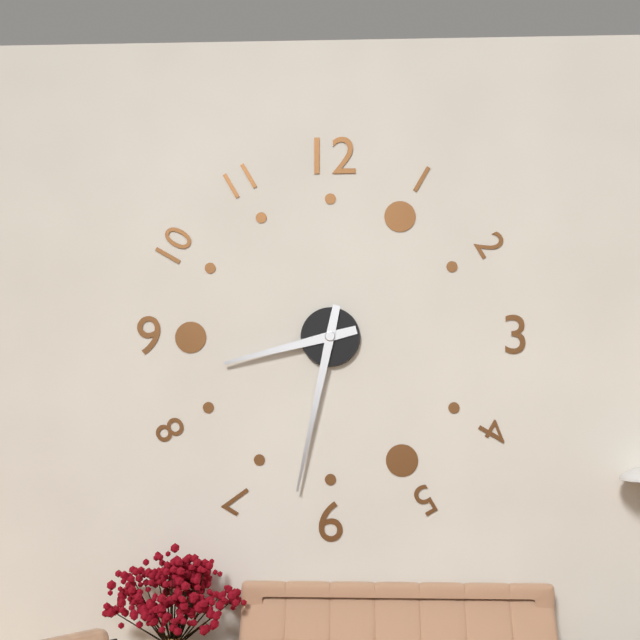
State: 8h32
